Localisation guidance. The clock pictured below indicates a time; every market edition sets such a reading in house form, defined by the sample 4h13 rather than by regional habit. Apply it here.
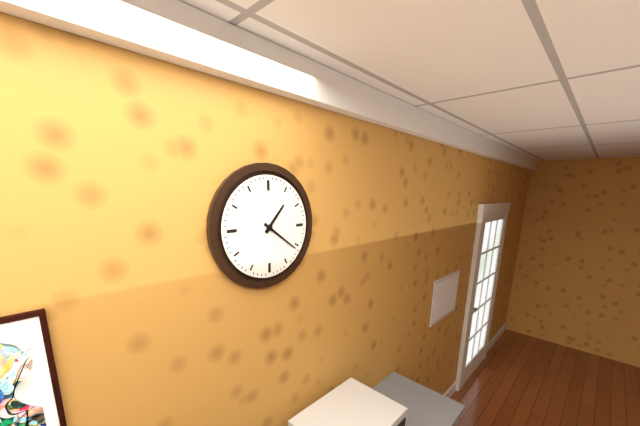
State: 1h21
